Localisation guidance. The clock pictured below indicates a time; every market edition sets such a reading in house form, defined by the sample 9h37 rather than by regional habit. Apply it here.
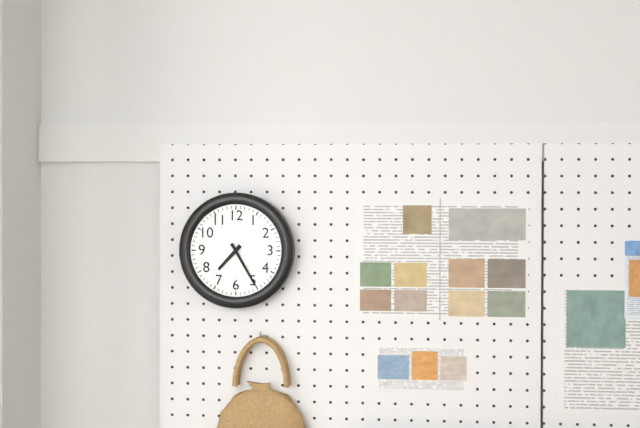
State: 7h25
